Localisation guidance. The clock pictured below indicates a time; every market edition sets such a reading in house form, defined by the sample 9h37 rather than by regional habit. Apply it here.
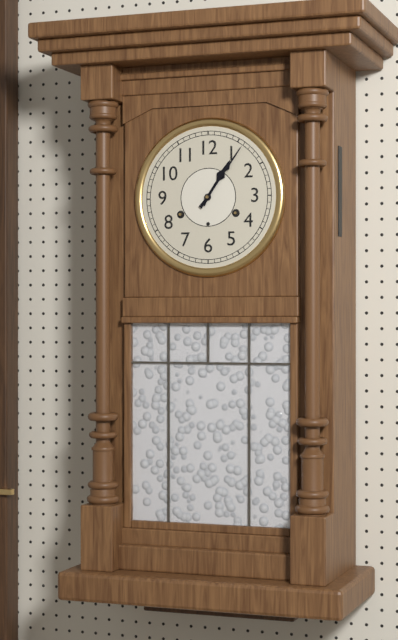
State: 1h06
